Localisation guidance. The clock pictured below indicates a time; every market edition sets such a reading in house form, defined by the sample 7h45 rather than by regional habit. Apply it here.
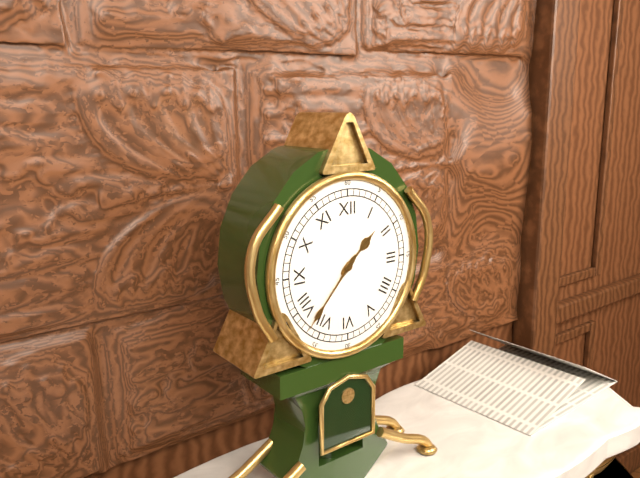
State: 1h37
